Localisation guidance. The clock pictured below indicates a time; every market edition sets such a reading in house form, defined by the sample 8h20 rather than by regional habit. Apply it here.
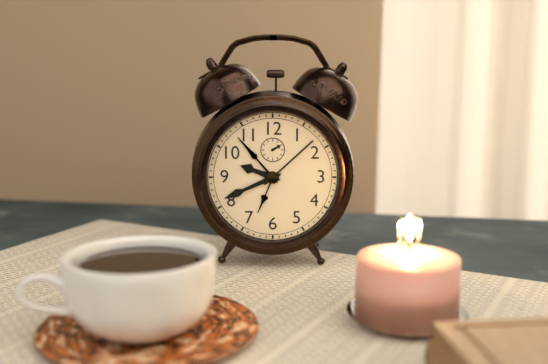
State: 9h41
